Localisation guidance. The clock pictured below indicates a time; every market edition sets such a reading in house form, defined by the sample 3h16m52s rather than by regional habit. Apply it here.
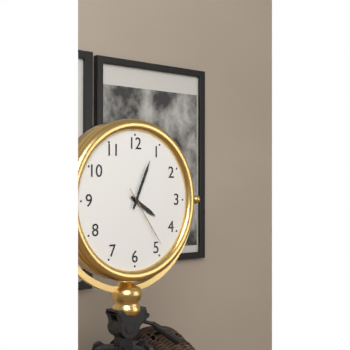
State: 4h04m24s
